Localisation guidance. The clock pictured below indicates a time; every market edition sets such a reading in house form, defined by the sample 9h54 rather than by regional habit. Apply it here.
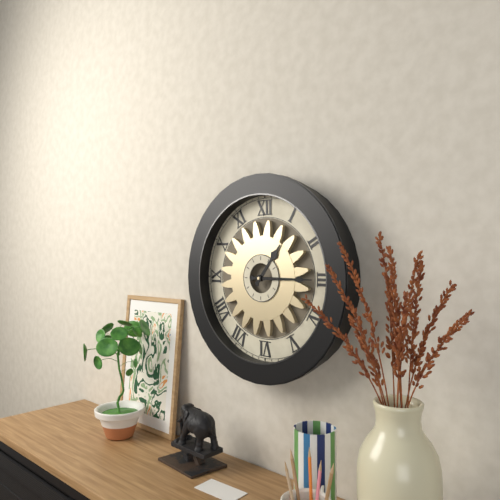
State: 1h15
